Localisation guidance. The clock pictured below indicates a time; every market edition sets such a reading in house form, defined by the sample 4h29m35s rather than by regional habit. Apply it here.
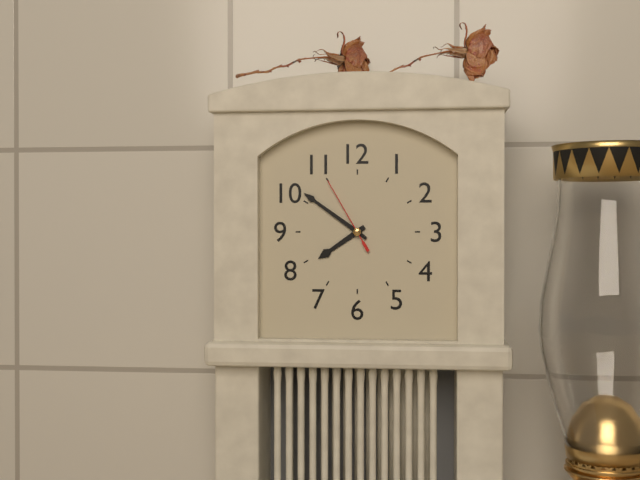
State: 7h51m55s
